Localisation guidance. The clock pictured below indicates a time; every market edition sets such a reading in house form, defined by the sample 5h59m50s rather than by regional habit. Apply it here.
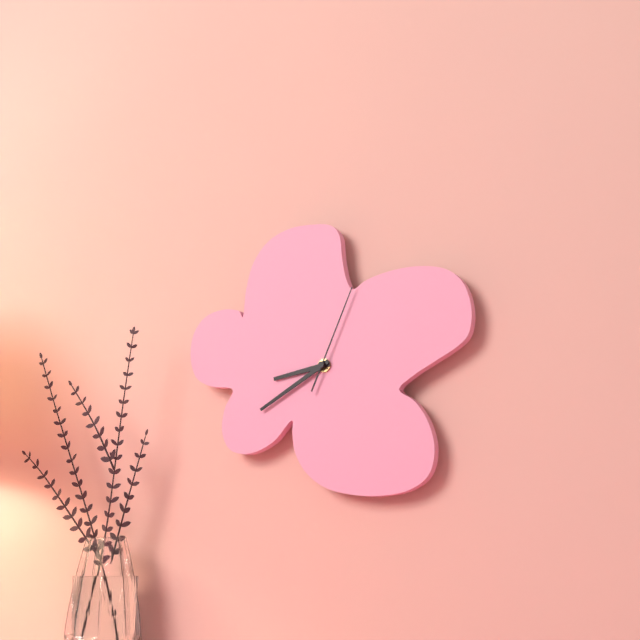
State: 8h40m04s
